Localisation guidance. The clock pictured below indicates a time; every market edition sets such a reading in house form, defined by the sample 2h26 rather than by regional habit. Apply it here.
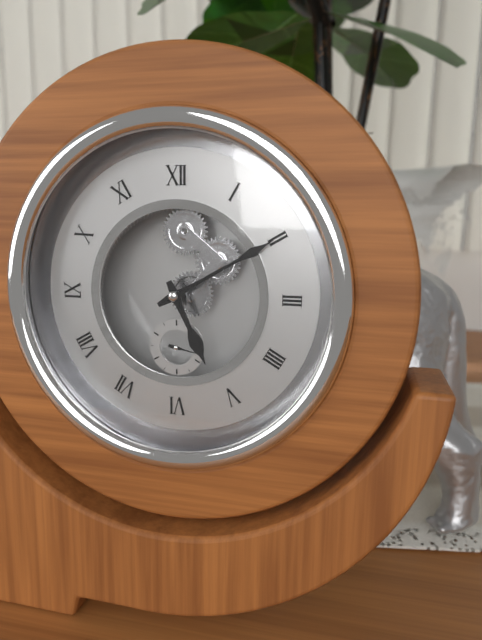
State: 5h10
